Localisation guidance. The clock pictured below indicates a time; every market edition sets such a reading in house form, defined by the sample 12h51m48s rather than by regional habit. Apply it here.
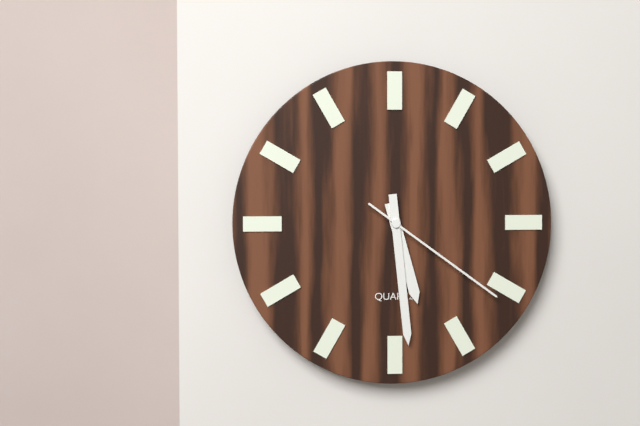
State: 5h29m21s
